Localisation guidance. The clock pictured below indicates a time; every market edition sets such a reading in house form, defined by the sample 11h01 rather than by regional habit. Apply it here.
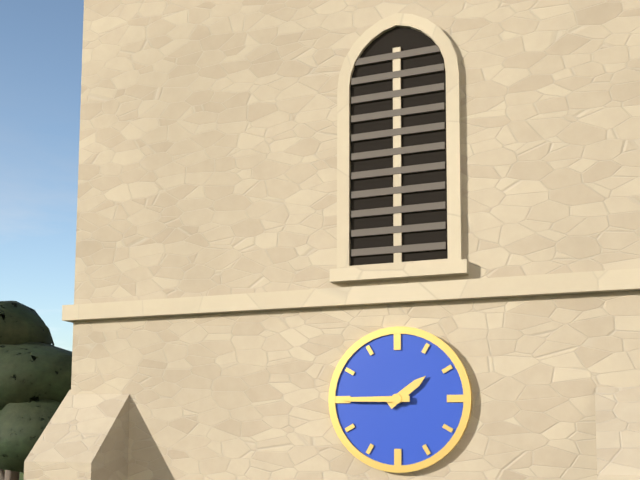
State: 1h45
